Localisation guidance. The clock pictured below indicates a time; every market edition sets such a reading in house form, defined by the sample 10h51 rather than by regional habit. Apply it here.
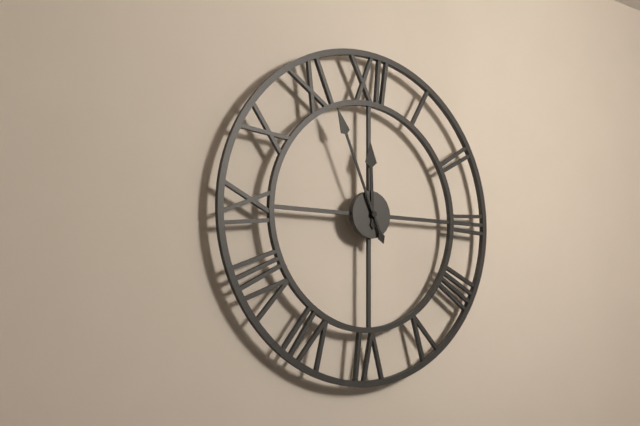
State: 11h56
